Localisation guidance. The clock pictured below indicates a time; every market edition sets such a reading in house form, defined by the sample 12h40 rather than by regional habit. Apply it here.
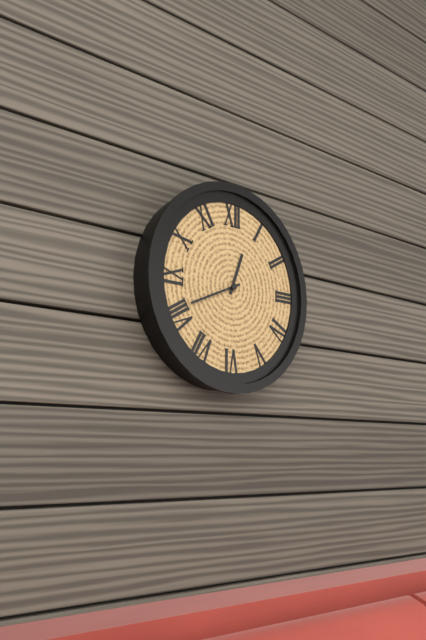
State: 12h41
